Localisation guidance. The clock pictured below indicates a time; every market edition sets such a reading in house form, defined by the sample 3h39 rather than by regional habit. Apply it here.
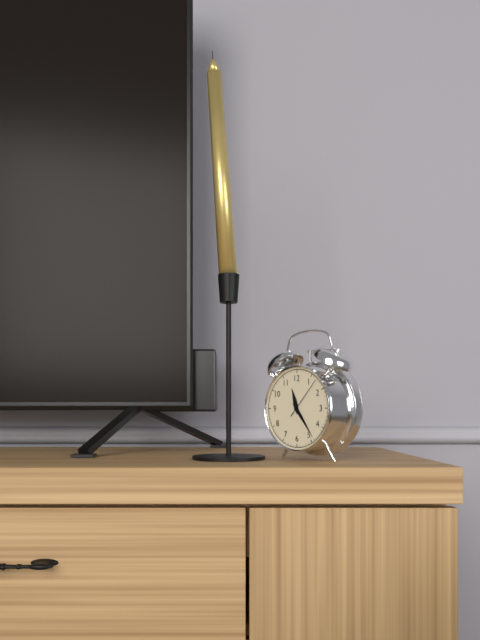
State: 11h24
